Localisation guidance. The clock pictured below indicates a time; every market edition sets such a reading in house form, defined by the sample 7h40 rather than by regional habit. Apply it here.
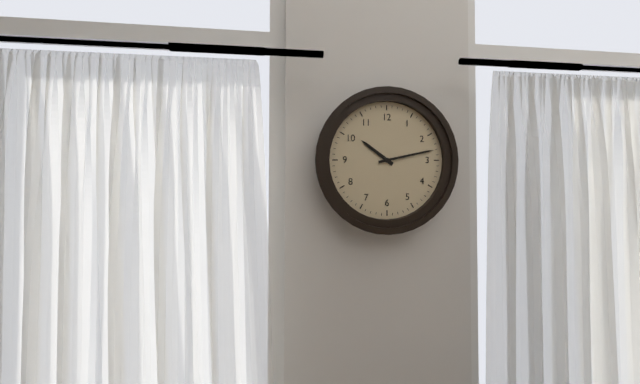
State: 10h13
